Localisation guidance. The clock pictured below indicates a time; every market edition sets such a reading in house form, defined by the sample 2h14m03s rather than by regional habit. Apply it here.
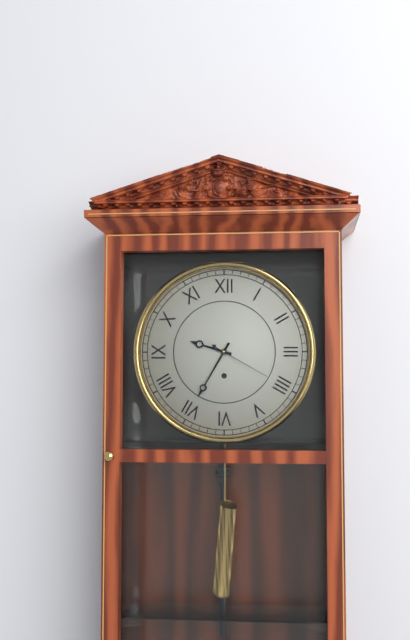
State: 9h35m20s
